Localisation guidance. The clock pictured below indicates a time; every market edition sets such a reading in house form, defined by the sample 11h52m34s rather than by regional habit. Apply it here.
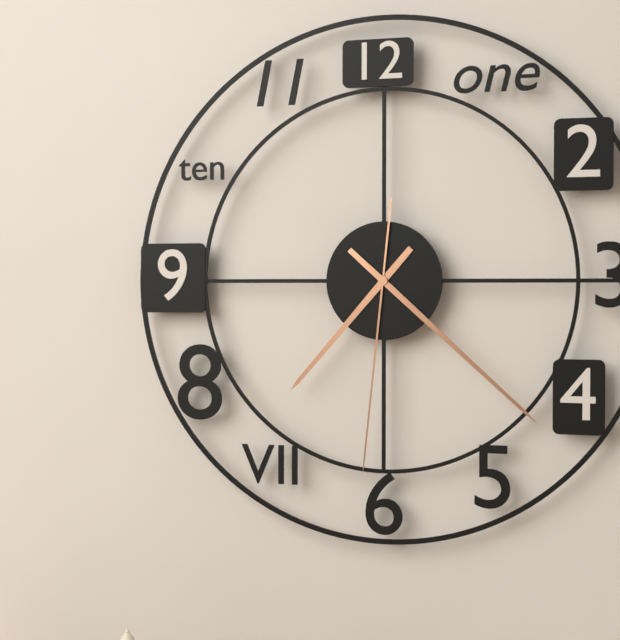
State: 7h22m31s
